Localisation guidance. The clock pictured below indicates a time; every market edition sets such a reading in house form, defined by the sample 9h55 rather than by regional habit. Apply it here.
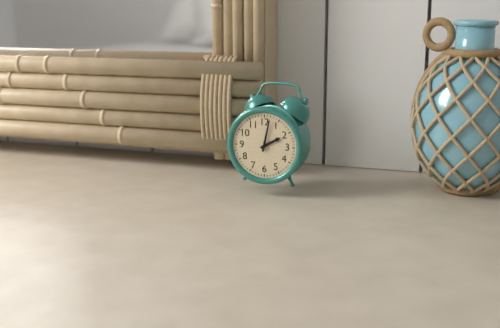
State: 2h02
